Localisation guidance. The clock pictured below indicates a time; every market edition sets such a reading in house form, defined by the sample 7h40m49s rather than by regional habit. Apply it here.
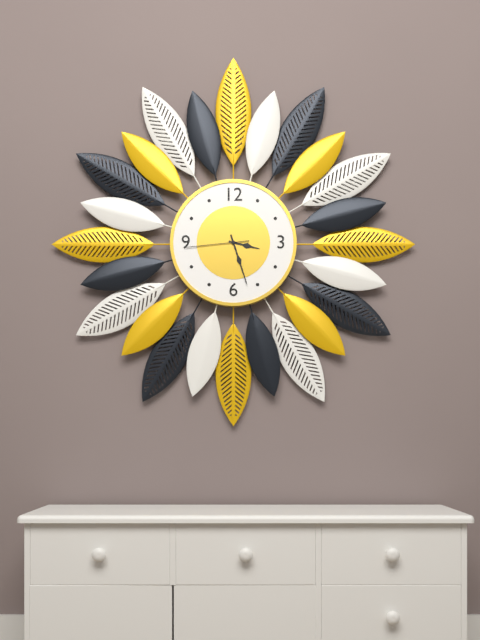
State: 3h27m44s
